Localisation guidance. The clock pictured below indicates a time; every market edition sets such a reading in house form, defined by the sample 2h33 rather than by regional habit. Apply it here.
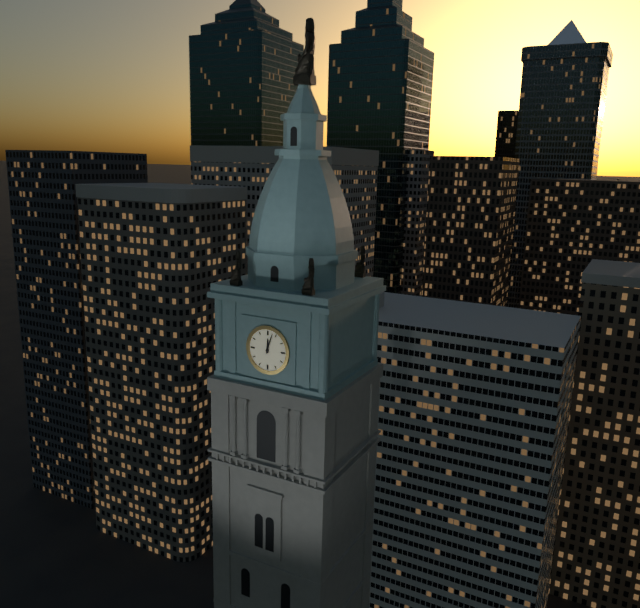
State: 12h03
